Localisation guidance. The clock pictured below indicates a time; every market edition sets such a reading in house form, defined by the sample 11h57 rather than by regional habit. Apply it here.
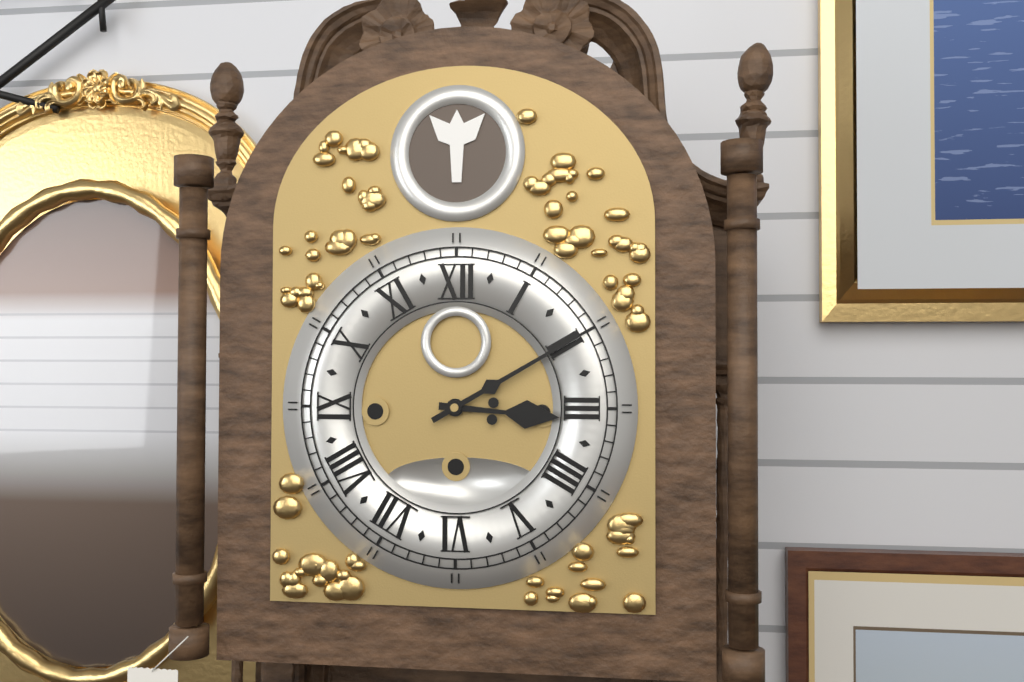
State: 3h10
